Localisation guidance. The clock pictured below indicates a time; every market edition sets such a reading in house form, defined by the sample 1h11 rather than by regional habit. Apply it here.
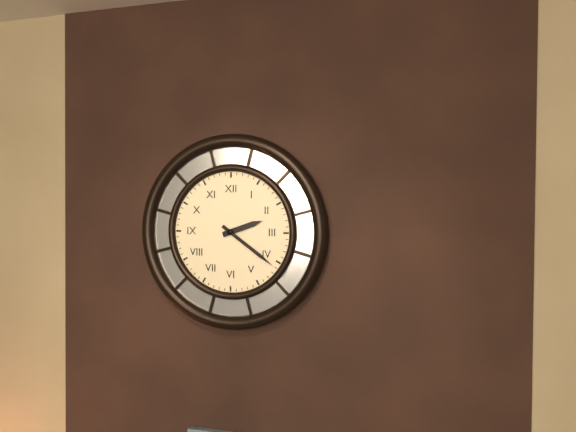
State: 2h21
